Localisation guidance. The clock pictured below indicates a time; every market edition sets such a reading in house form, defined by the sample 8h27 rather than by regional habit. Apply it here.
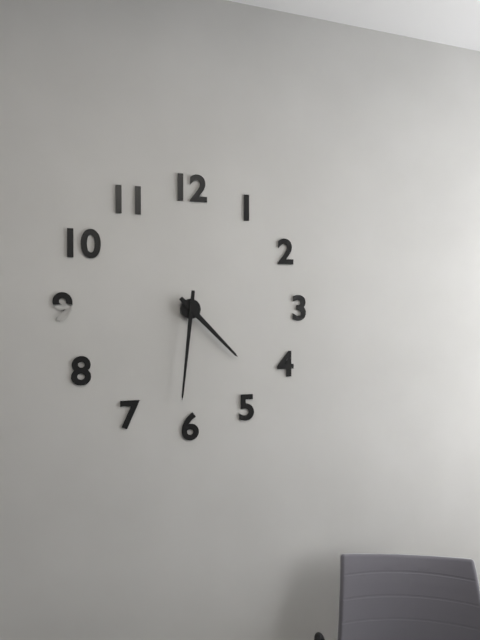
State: 4h31
